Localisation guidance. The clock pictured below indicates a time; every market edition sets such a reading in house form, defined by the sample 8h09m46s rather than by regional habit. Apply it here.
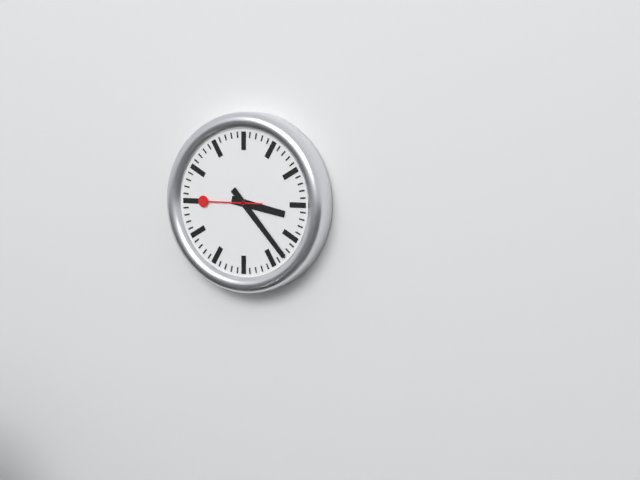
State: 3h23m45s
